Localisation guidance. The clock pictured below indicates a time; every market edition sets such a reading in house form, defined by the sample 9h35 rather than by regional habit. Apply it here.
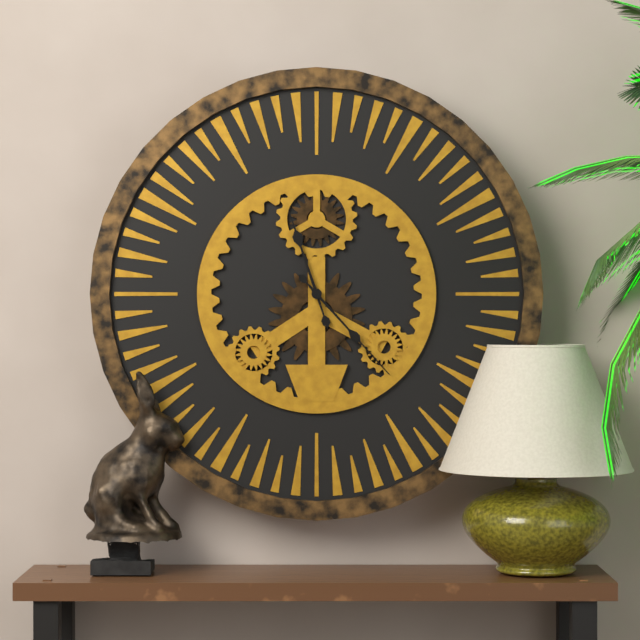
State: 11h23
